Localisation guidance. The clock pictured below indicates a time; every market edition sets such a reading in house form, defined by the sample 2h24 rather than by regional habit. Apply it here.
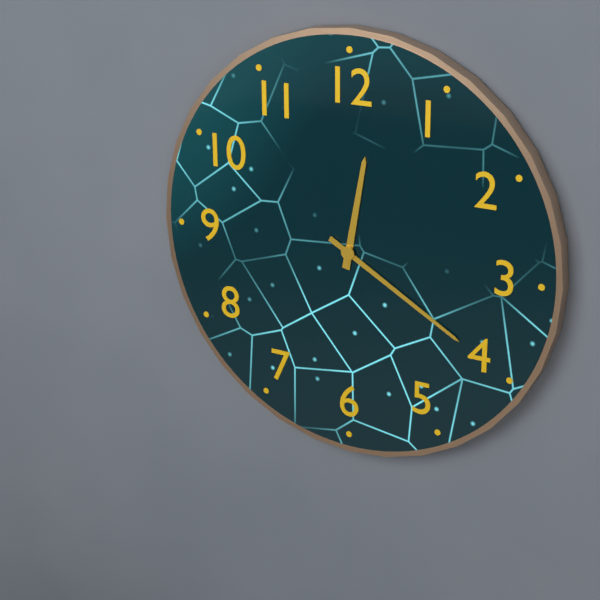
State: 12h20
